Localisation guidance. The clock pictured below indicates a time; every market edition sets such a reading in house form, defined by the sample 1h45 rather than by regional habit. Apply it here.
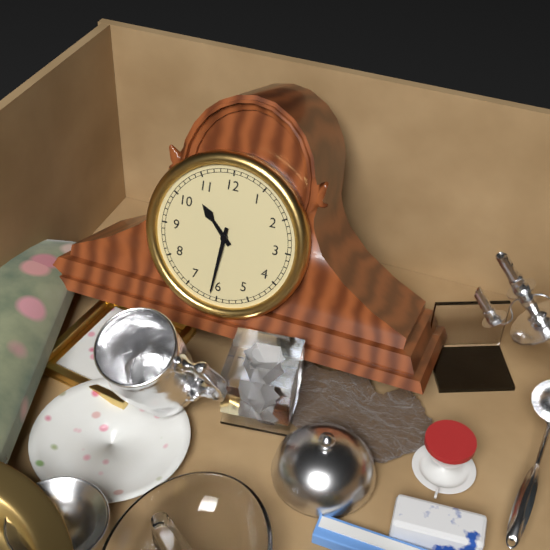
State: 10h31
